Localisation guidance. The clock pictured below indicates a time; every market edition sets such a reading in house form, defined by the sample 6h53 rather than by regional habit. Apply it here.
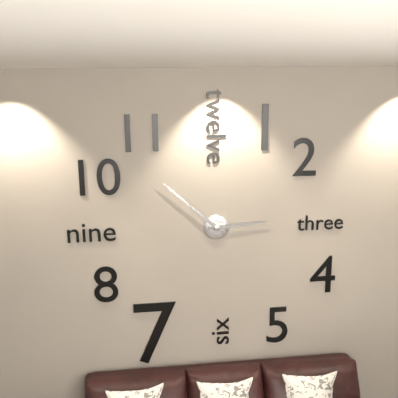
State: 2h52
